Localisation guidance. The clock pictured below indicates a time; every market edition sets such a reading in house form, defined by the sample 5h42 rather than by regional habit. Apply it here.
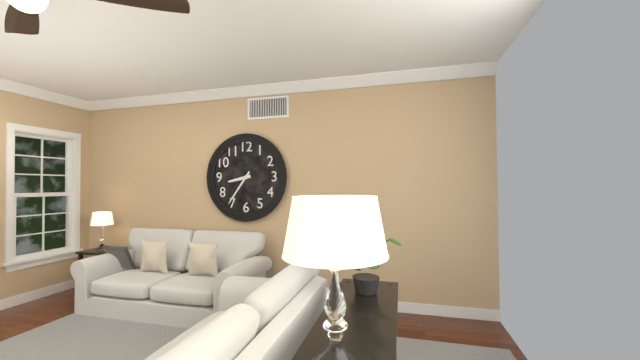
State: 8h36
